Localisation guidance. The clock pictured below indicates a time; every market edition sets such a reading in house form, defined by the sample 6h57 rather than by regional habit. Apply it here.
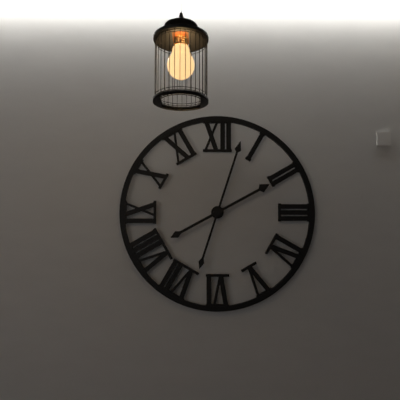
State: 2h03
